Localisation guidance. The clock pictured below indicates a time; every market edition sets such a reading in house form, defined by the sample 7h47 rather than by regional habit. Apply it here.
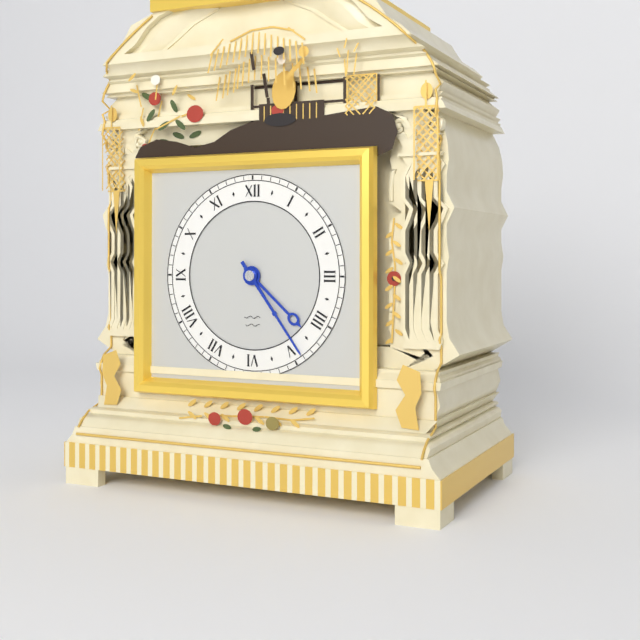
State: 4h24
